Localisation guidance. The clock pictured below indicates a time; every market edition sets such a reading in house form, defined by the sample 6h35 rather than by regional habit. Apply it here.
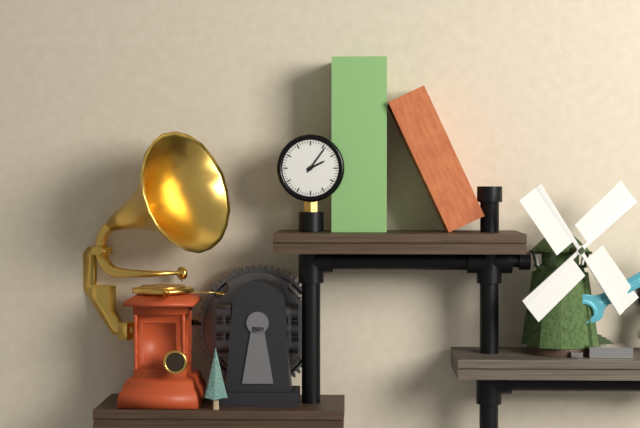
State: 2h06
